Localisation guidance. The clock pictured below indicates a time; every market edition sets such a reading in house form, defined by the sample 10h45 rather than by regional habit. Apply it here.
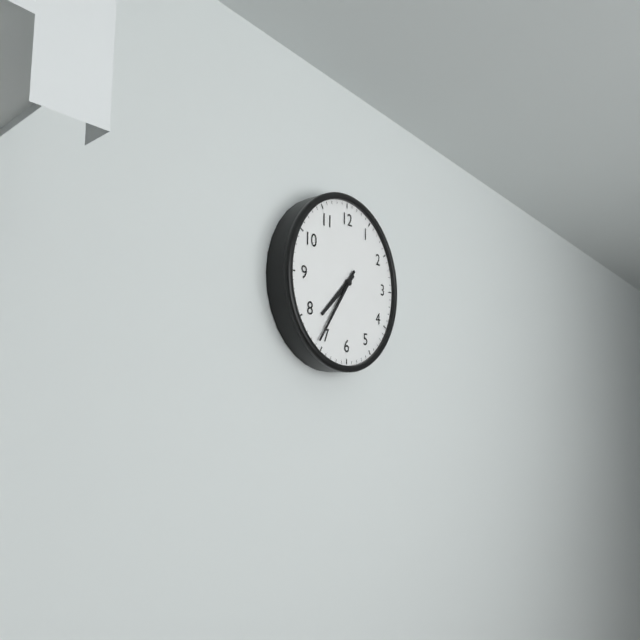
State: 7h36
